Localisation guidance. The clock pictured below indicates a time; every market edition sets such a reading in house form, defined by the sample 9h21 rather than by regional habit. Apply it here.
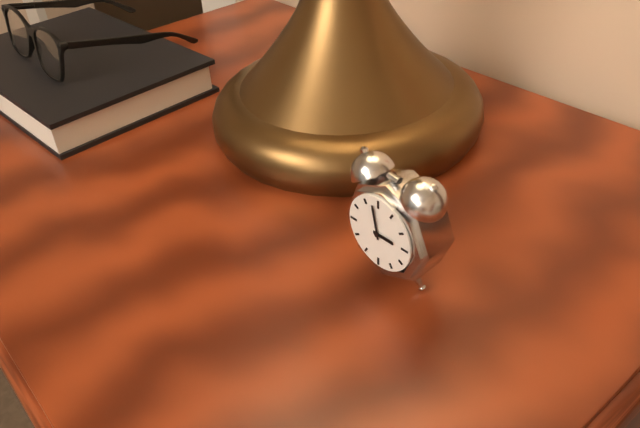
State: 2h58
